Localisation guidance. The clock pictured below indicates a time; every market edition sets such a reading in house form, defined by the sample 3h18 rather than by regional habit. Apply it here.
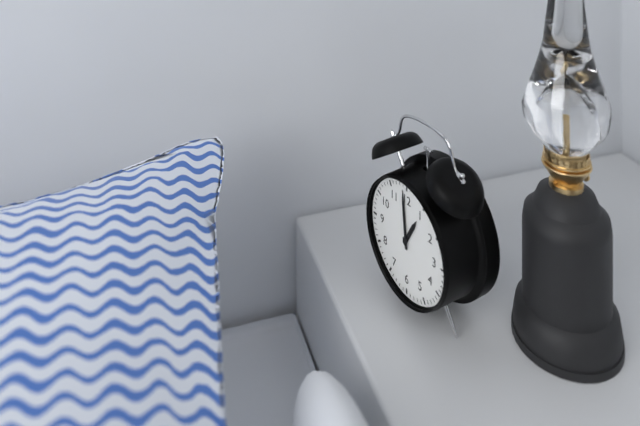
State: 12h59
